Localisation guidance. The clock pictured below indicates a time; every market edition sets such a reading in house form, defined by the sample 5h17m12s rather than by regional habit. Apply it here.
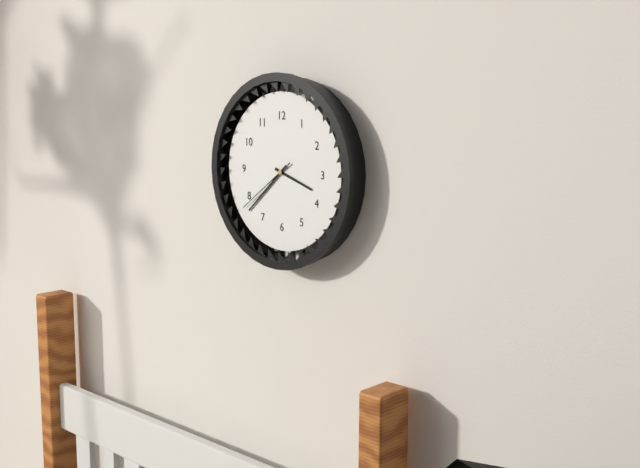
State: 3h38m39s
